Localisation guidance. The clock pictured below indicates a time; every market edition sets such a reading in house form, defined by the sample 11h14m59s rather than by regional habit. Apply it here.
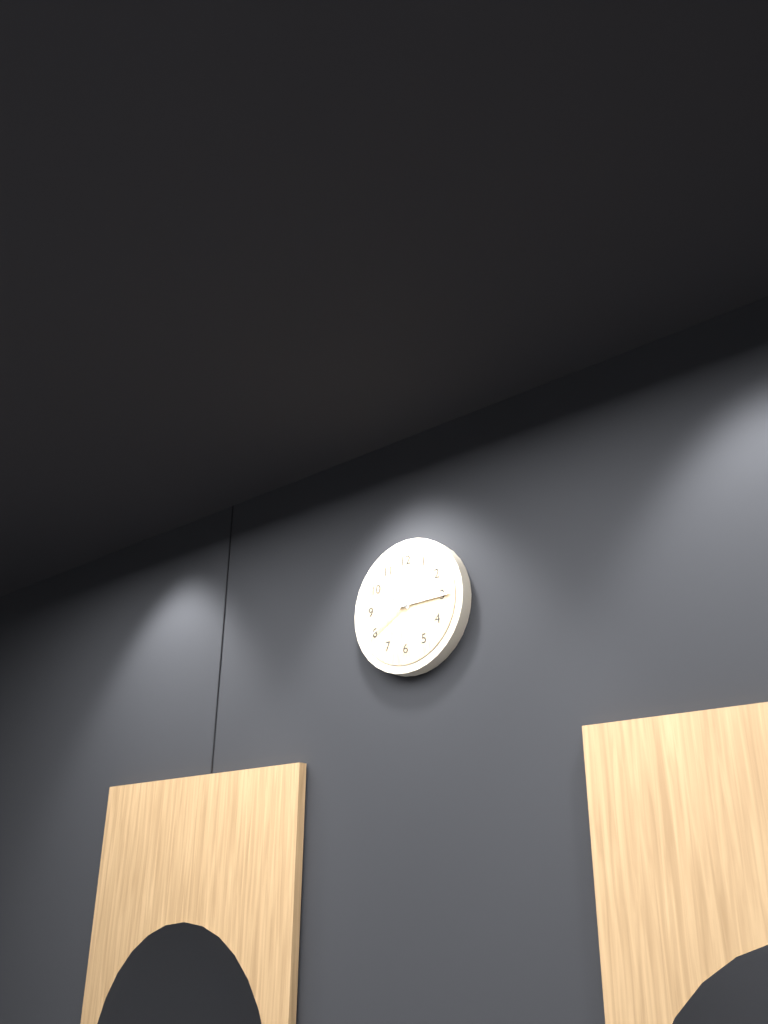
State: 10h15m40s
